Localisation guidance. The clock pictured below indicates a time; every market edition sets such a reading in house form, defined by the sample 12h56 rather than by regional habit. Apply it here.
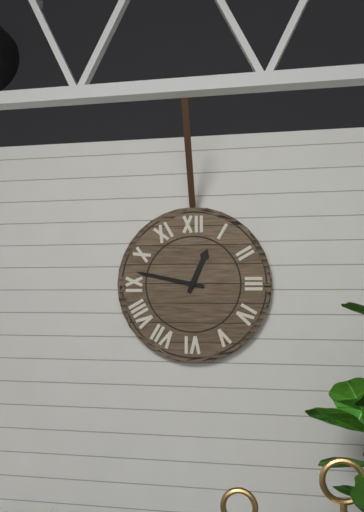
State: 12h47
